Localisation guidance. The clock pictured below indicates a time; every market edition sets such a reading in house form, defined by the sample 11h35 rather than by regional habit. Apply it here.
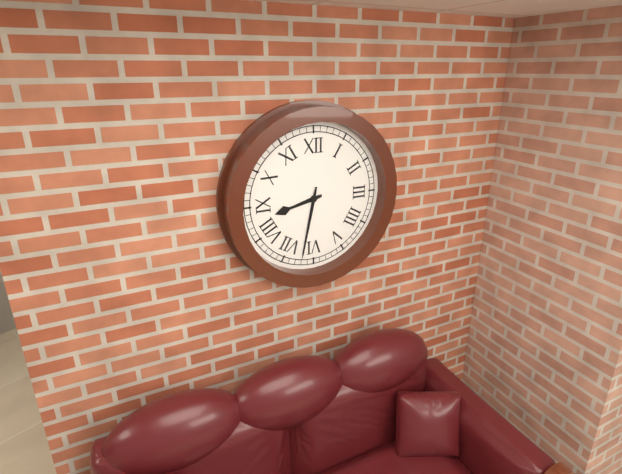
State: 8h32
